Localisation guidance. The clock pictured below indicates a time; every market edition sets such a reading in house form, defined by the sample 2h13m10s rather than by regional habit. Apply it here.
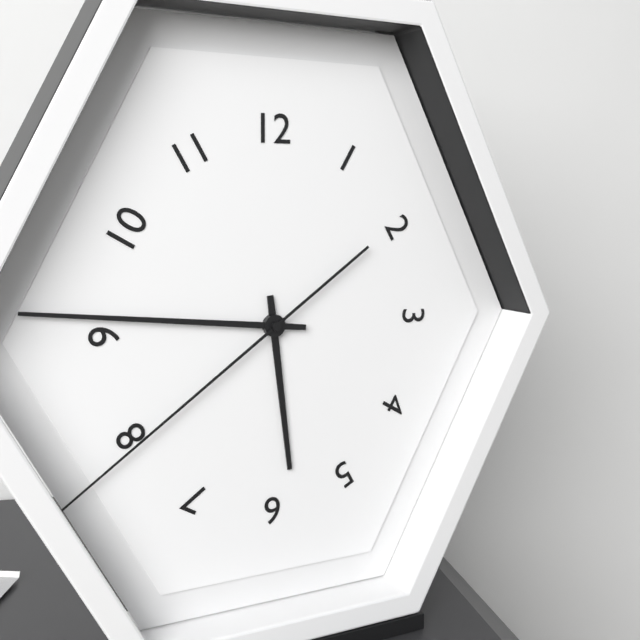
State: 5h46m39s
